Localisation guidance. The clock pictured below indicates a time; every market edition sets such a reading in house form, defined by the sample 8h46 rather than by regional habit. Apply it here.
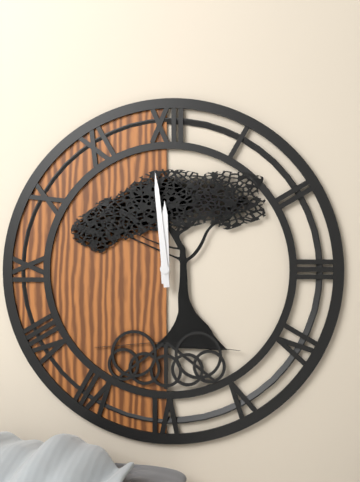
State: 11h59
